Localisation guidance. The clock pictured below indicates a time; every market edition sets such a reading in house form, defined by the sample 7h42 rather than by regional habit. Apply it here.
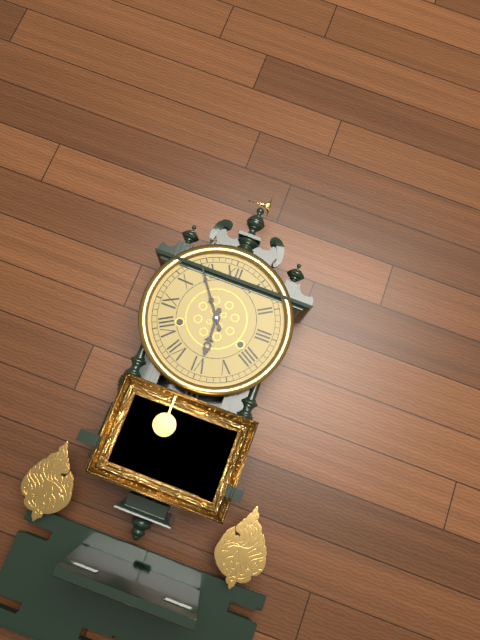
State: 5h54
